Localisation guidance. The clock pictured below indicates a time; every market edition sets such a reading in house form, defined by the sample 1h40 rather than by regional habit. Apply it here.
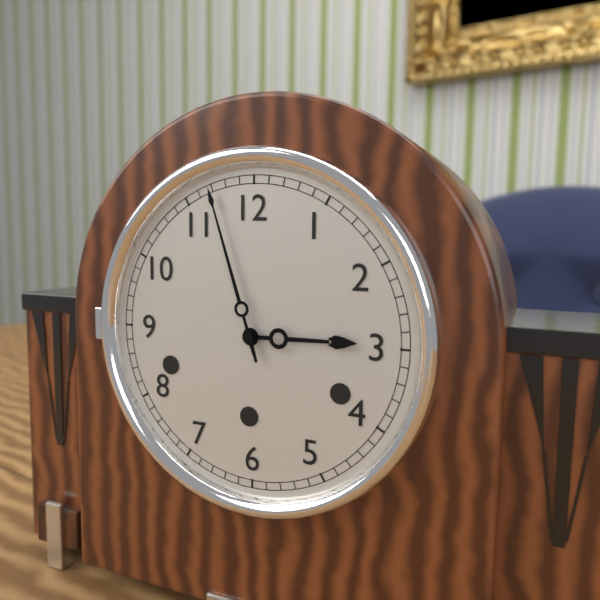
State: 2h57
